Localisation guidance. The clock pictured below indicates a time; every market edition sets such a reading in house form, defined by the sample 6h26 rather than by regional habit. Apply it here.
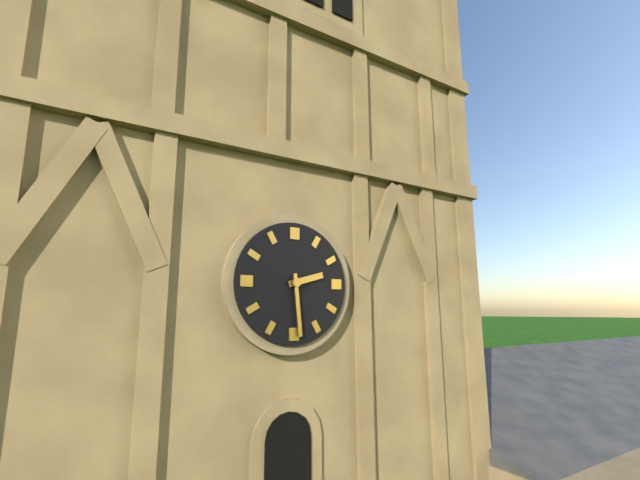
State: 2h29
